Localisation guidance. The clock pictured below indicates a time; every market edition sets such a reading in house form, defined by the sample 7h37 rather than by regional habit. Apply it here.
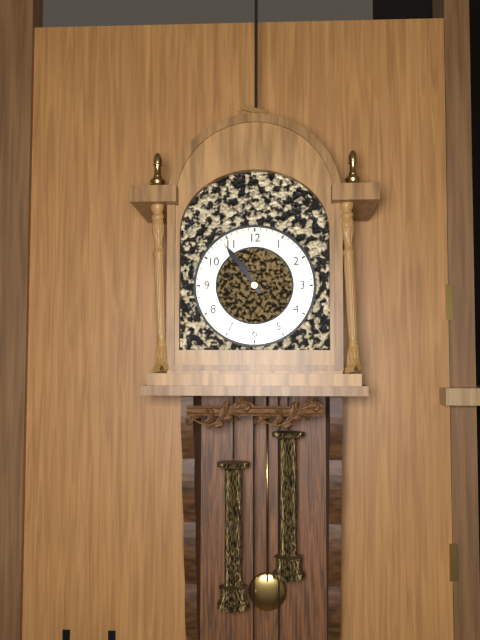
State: 10h54
